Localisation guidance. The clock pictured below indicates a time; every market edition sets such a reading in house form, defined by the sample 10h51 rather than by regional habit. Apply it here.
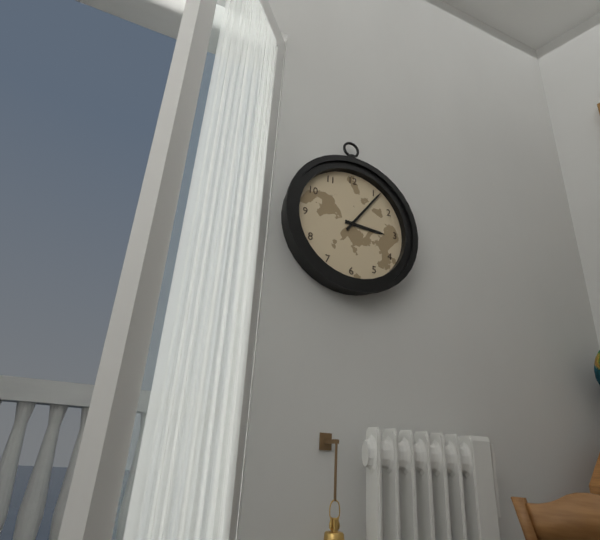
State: 3h06
